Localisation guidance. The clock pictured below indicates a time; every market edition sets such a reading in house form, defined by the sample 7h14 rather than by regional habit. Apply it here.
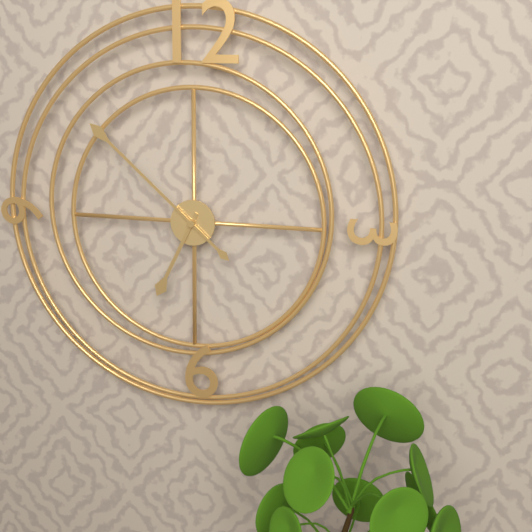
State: 6h52
